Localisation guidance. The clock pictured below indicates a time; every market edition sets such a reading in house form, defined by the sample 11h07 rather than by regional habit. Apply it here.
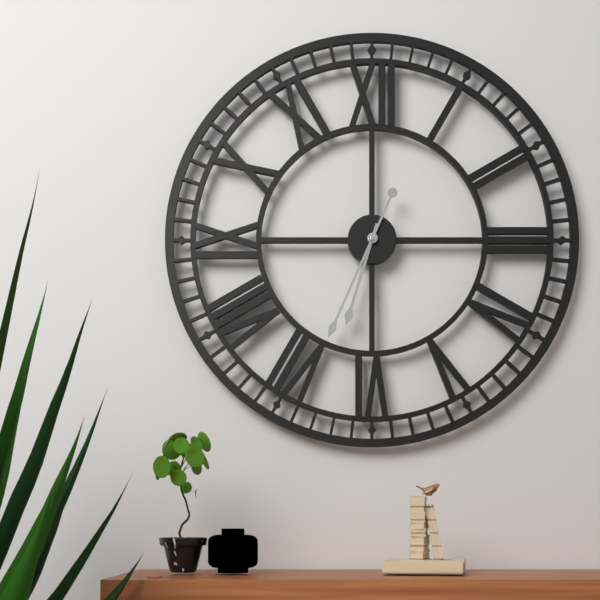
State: 6h34
